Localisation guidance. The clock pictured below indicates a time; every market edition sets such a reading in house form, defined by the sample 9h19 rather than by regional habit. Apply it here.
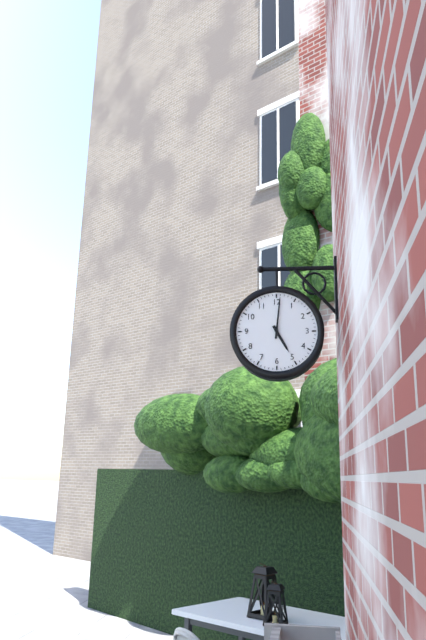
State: 5h01
